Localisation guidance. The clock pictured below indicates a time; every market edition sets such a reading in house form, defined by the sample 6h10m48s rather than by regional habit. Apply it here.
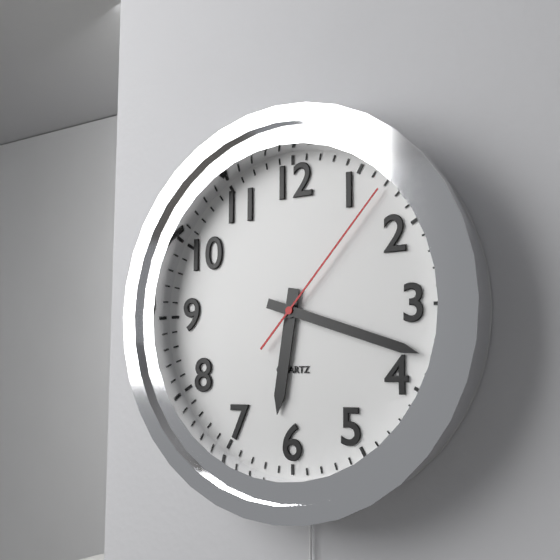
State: 6h18m07s
